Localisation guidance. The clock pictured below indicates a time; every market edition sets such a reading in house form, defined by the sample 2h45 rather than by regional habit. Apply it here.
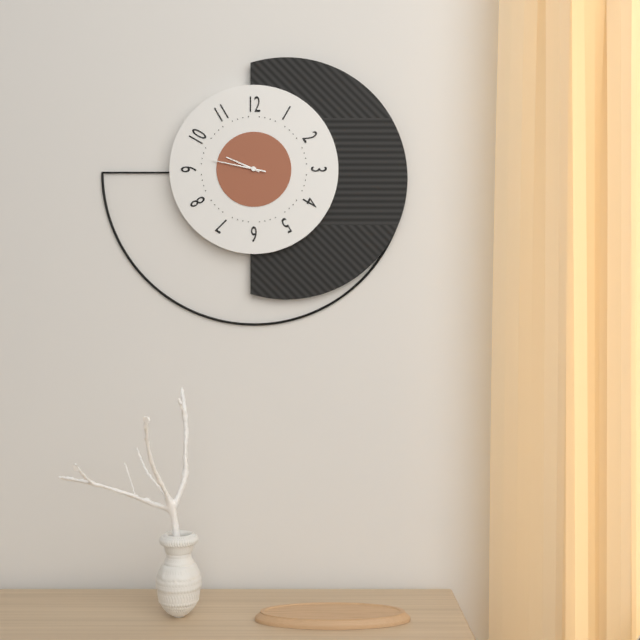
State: 9h47
